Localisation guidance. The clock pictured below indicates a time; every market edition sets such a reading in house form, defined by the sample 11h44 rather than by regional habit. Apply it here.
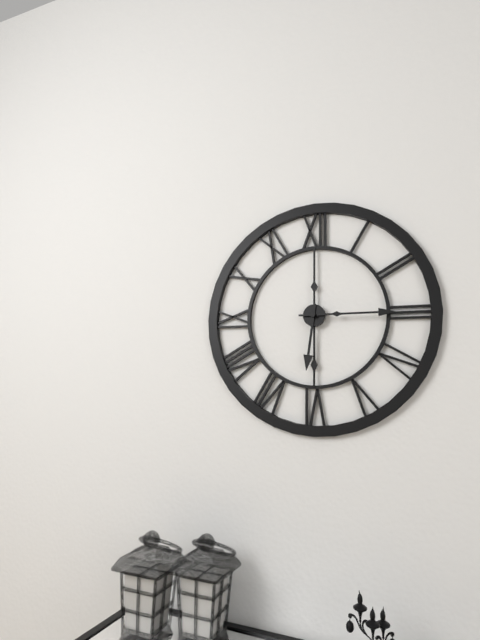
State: 6h15
